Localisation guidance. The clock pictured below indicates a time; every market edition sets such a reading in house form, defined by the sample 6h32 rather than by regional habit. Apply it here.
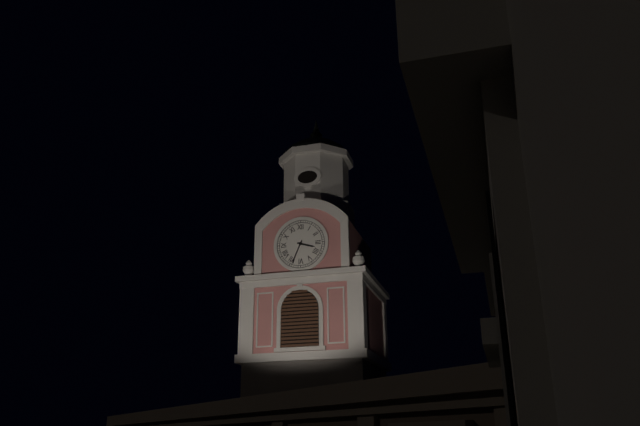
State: 3h34
